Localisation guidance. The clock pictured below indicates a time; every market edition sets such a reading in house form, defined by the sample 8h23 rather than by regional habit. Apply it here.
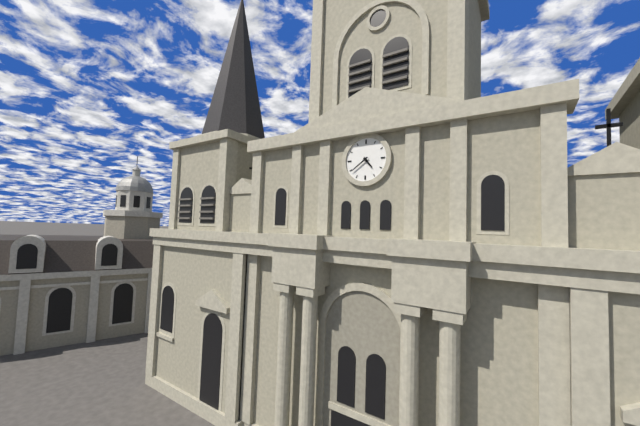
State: 4h39
